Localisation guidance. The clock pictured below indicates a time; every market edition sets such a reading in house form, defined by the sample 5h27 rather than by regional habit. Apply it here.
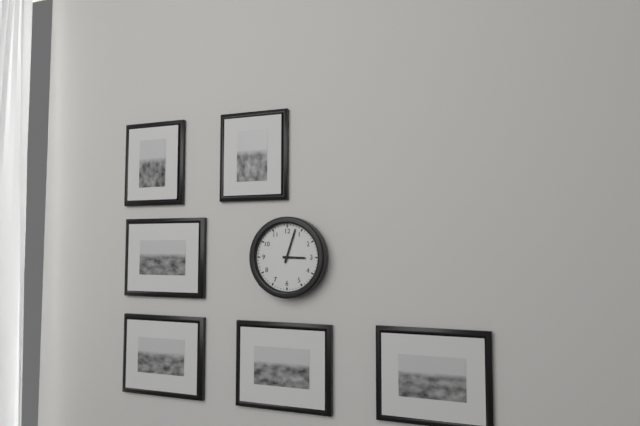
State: 3h03
